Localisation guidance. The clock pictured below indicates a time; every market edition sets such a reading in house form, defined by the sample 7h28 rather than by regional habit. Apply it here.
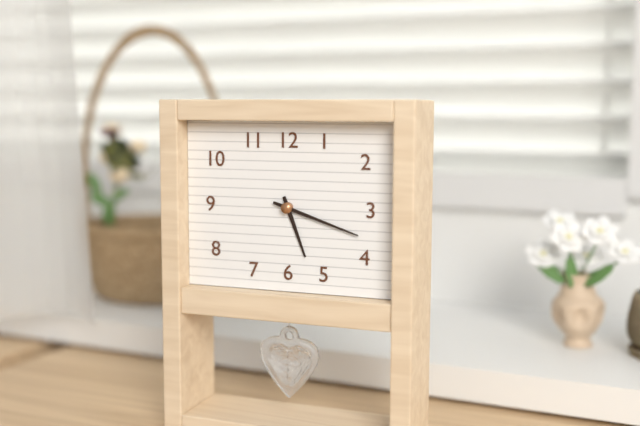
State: 5h18
